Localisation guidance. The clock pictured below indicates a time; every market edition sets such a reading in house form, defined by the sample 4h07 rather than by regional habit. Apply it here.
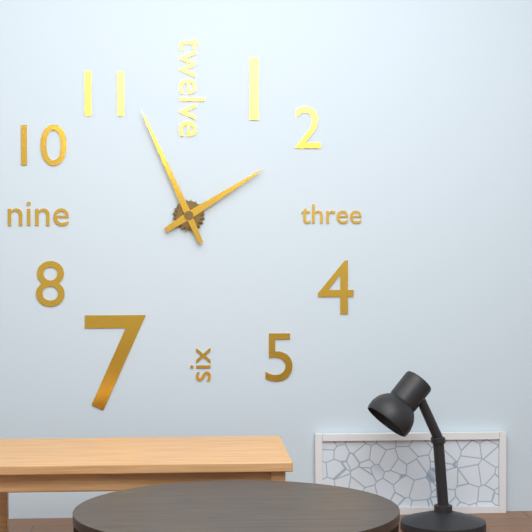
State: 1h56
